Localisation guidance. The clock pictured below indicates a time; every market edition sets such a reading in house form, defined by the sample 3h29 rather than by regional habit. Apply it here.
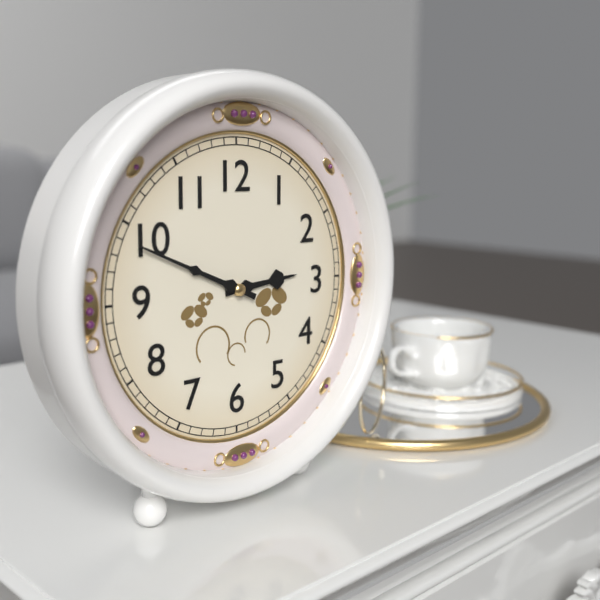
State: 2h49
